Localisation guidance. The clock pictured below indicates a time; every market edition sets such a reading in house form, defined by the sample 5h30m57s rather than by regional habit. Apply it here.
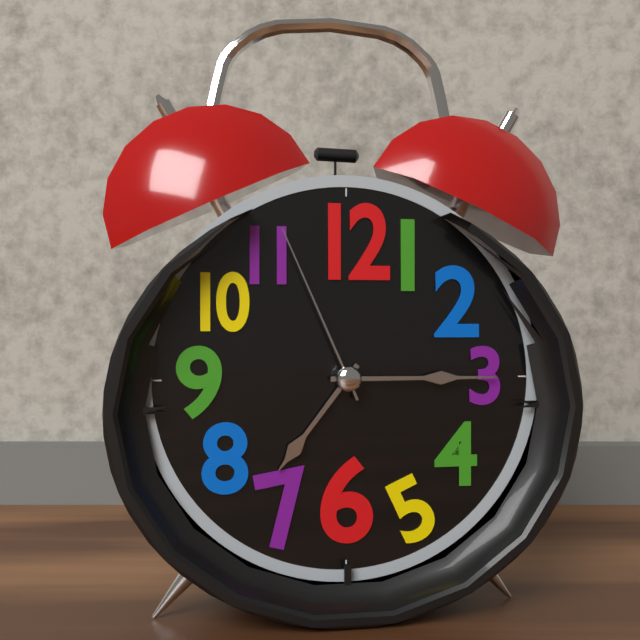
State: 7h15m56s
